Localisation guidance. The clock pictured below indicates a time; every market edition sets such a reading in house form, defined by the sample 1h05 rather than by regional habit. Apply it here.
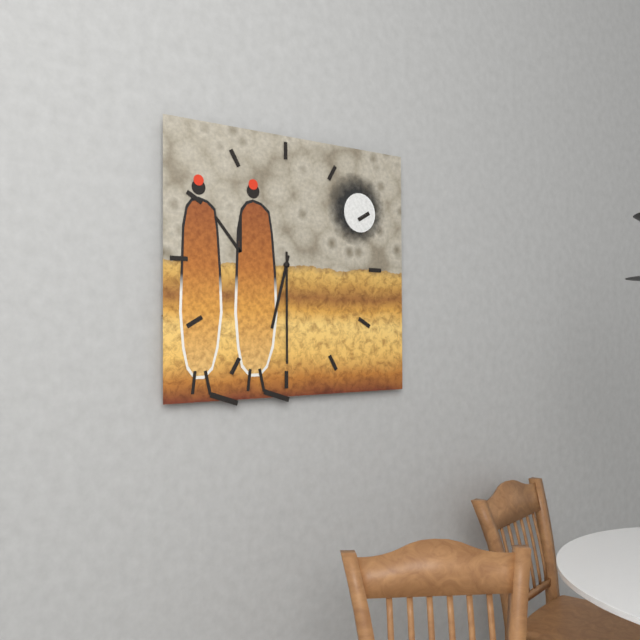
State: 6h30
